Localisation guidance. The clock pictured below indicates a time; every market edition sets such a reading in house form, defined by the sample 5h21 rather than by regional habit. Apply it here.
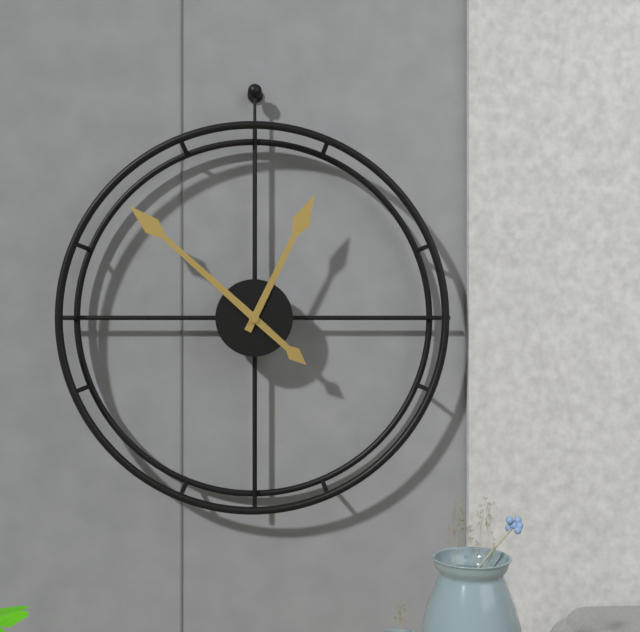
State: 12h52
